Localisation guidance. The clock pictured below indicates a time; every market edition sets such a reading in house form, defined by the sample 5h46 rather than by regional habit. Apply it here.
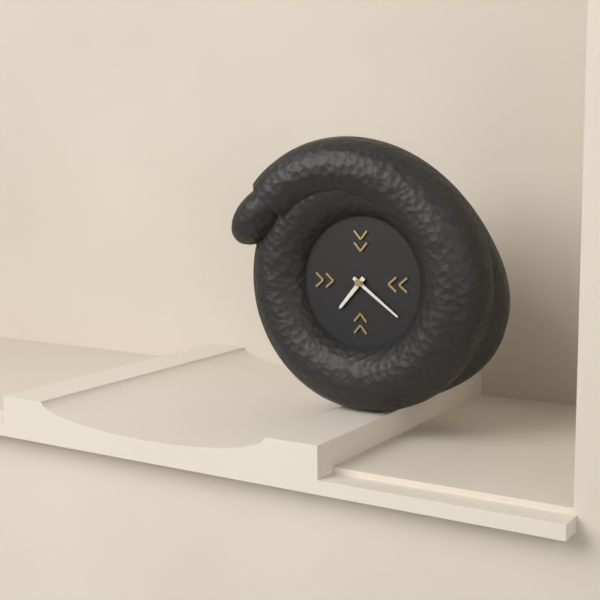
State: 7h21
